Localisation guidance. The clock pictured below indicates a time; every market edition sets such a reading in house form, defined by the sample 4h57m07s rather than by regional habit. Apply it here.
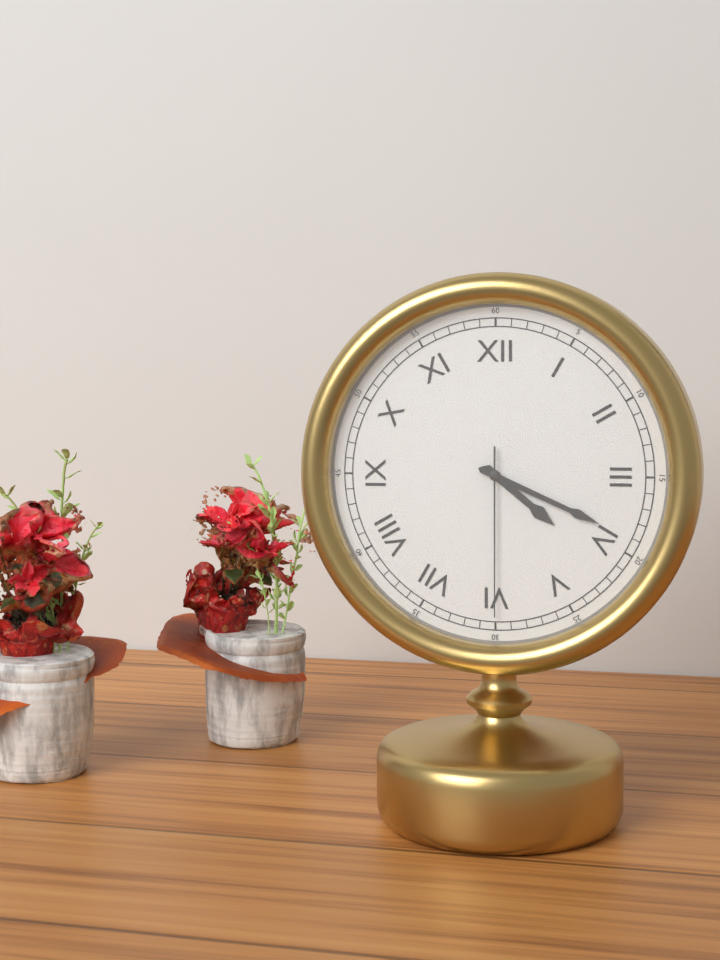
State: 4h19m30s
